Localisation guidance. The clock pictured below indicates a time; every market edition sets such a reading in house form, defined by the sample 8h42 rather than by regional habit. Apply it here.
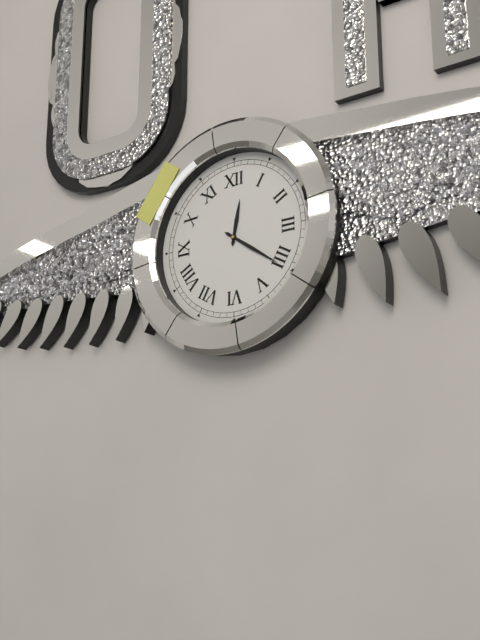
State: 12h21
